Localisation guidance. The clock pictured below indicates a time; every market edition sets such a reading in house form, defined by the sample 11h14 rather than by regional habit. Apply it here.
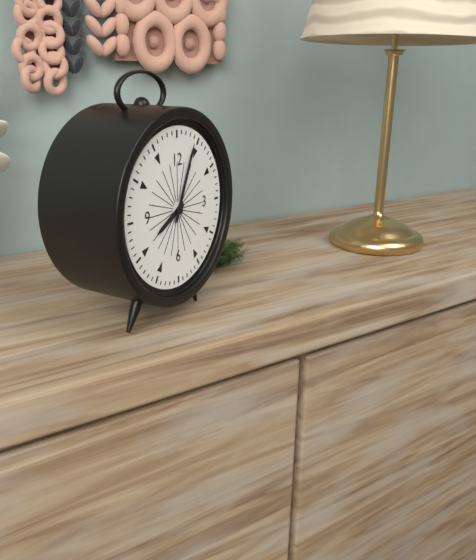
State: 8h04
